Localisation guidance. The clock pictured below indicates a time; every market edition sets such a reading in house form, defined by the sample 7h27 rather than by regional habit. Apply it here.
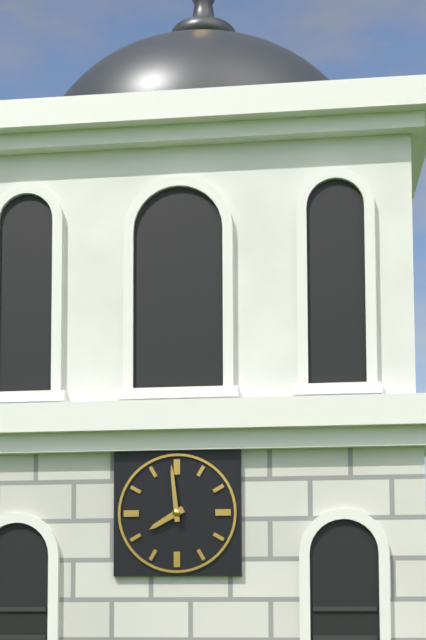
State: 7h59
